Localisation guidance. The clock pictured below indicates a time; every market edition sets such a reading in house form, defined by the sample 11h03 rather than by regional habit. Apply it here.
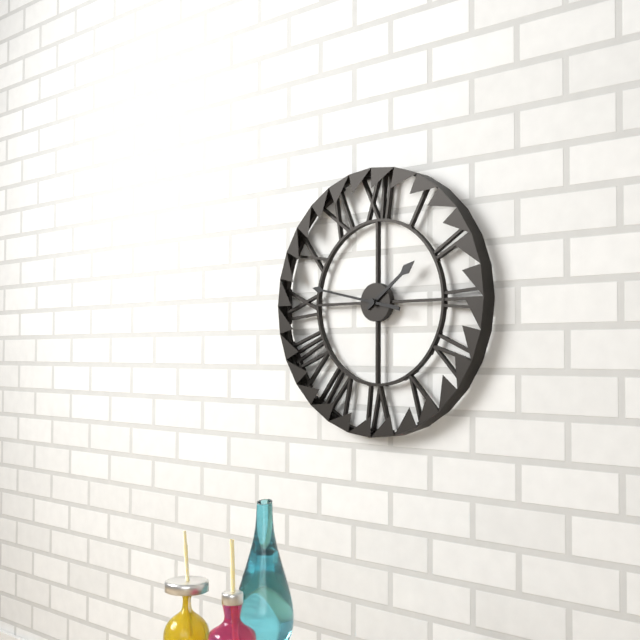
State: 1h47
